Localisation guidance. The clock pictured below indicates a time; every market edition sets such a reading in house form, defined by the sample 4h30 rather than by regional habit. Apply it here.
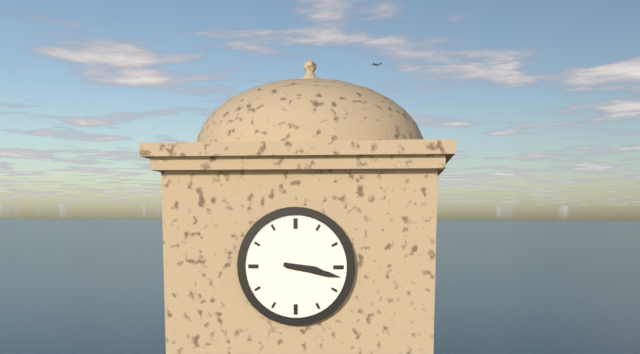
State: 3h17
